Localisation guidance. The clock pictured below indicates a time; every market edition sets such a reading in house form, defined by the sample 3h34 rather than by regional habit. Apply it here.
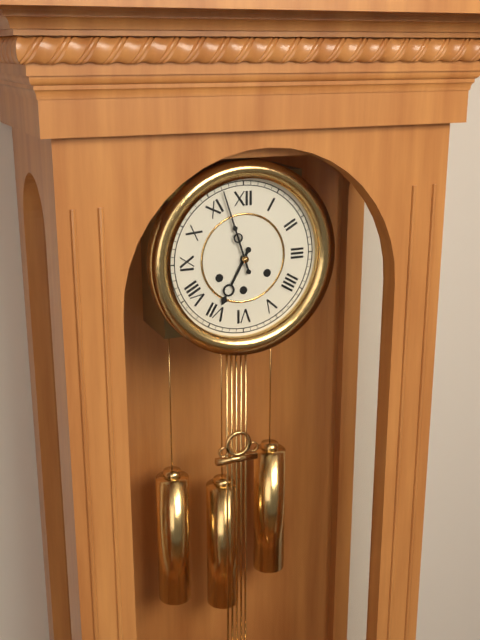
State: 6h57
